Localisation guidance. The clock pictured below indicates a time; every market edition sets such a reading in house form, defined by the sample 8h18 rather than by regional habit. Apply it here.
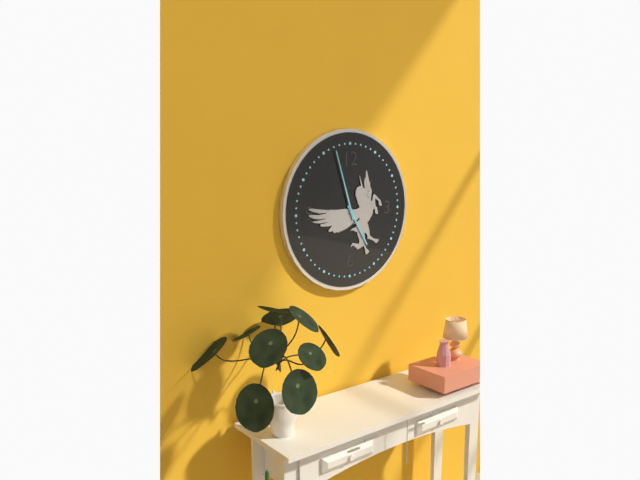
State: 4h57
